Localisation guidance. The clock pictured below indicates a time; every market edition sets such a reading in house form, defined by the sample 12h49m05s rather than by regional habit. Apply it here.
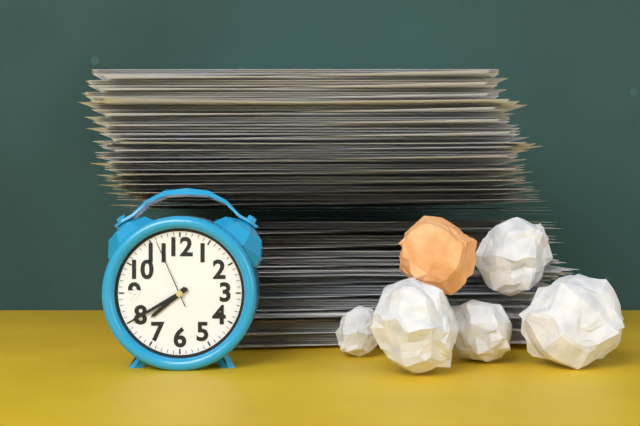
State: 7h40m56s
